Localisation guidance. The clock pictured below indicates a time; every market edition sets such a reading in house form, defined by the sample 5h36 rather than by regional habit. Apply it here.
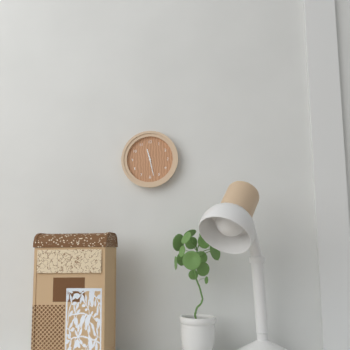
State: 11h28
